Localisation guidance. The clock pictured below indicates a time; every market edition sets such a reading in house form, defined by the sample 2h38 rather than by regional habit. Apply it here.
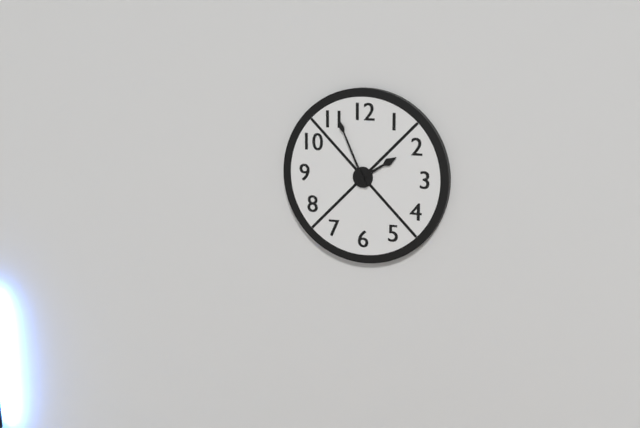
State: 1h56
